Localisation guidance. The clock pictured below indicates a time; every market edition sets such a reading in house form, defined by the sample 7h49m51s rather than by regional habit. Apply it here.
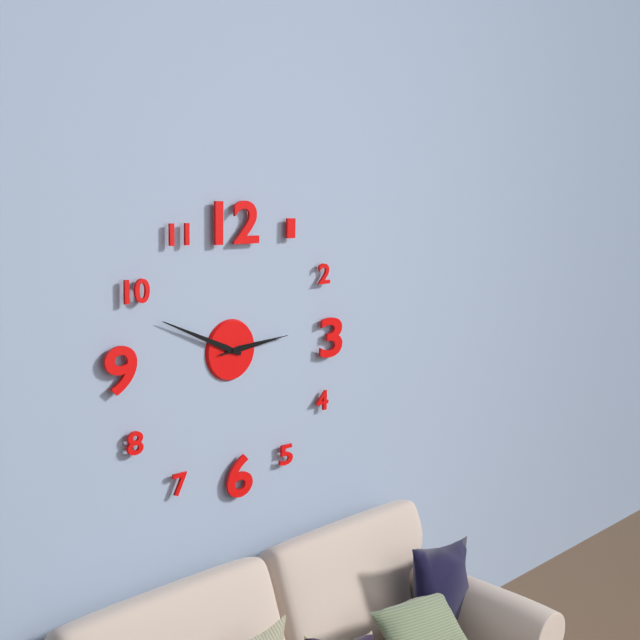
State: 2h49m14s
